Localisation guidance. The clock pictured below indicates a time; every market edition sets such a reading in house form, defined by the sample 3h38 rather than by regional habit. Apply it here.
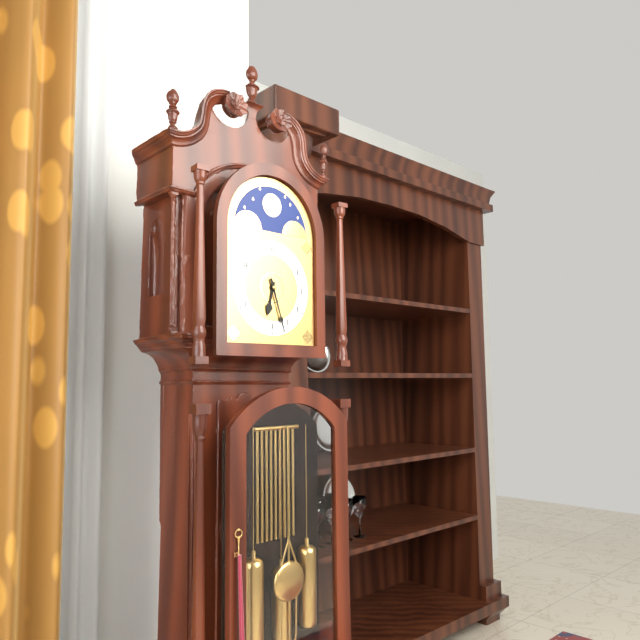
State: 6h27
